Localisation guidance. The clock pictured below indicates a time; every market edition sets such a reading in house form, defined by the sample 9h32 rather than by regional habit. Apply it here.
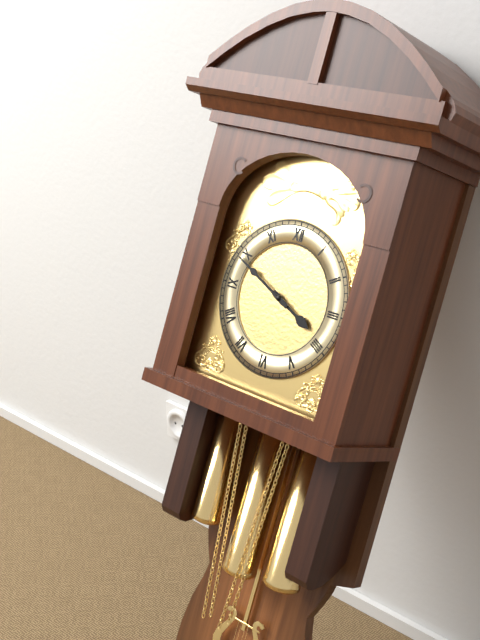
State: 3h49
